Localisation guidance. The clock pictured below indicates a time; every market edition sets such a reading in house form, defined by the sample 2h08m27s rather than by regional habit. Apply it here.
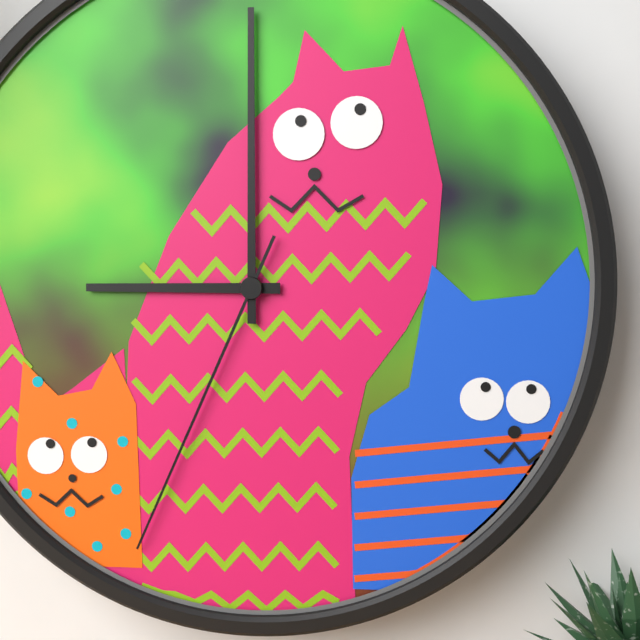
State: 9h00m34s
